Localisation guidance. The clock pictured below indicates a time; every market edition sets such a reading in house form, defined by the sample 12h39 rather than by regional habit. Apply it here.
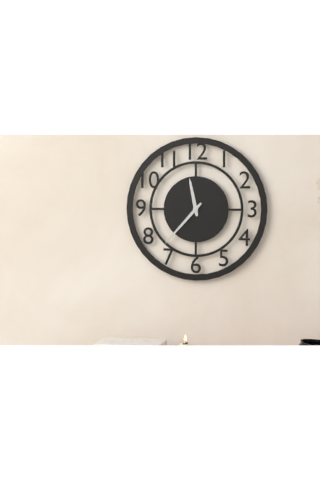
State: 11h37
